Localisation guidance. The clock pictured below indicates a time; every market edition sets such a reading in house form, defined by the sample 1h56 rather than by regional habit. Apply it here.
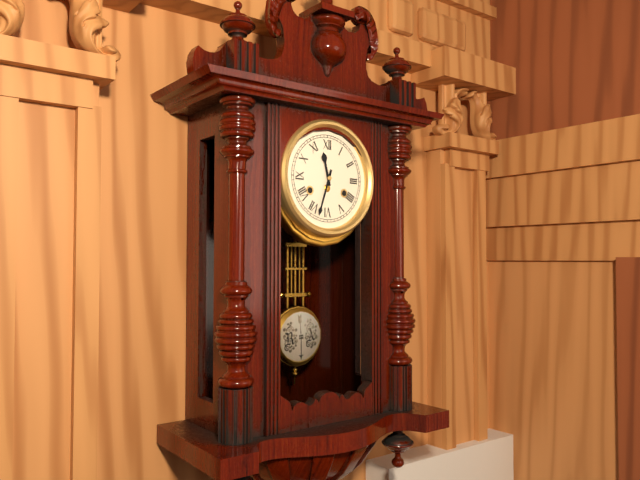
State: 11h33
